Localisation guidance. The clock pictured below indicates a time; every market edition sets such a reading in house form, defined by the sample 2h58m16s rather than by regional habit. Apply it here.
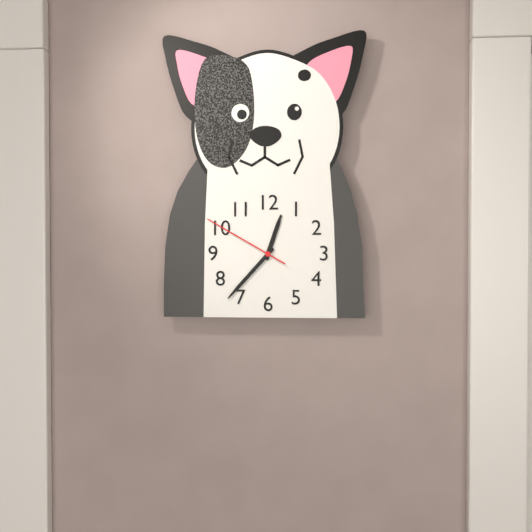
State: 12h37m50s
